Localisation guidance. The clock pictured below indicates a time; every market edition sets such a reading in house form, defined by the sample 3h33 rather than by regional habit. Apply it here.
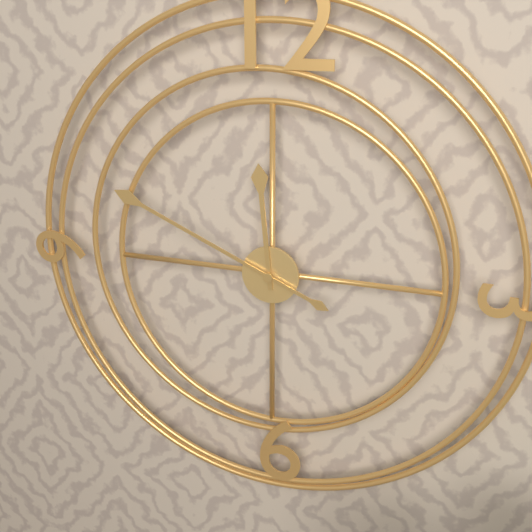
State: 11h49
